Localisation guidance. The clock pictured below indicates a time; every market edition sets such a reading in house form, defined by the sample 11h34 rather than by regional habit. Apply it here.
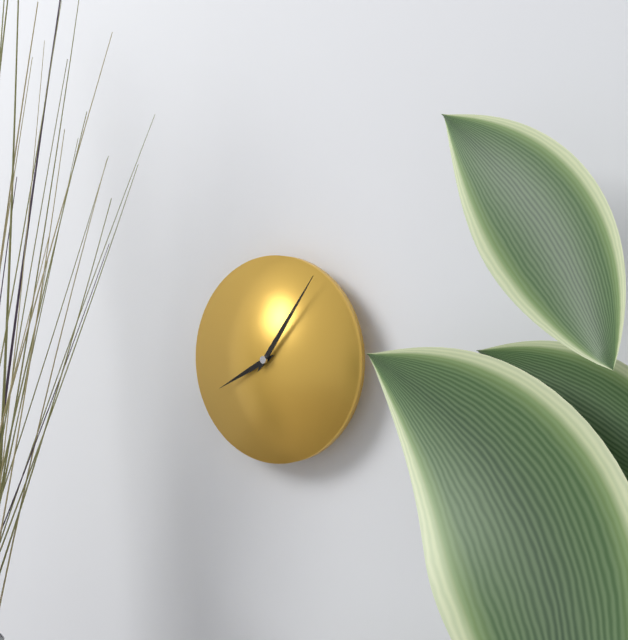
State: 8h06
